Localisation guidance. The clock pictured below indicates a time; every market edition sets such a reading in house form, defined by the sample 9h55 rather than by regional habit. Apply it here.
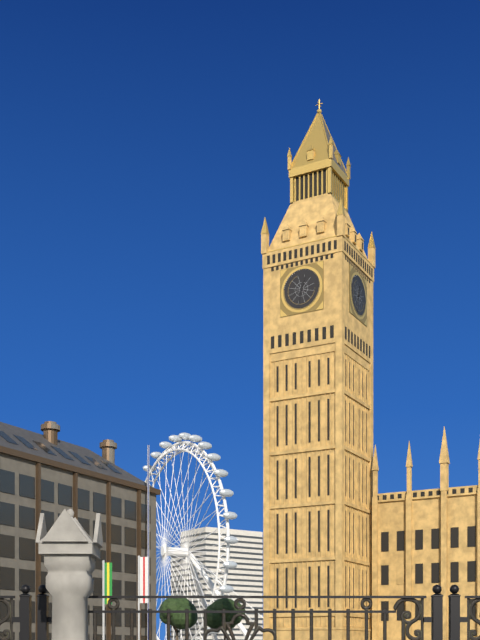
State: 12h32
